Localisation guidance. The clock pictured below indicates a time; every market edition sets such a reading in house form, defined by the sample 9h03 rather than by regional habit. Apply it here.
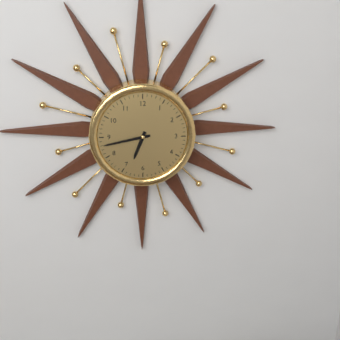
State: 6h43
